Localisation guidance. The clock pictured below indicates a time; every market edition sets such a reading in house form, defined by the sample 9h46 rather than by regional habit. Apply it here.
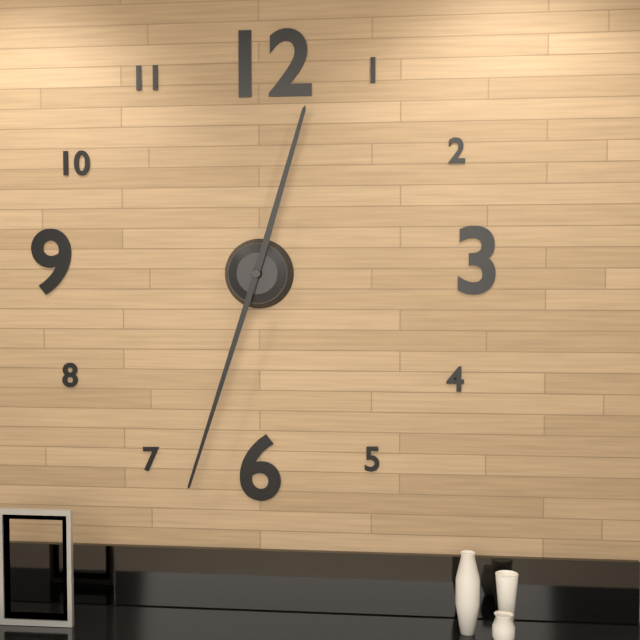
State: 12h33
